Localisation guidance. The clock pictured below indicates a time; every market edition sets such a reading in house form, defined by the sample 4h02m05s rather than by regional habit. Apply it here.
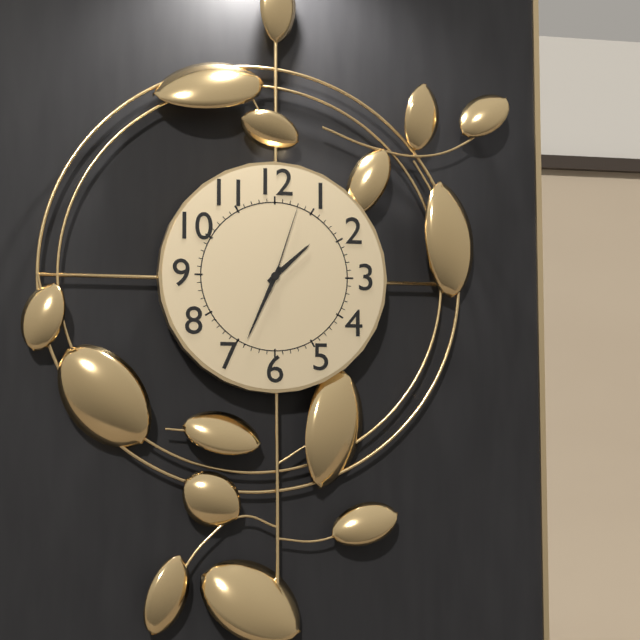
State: 1h34m03s
